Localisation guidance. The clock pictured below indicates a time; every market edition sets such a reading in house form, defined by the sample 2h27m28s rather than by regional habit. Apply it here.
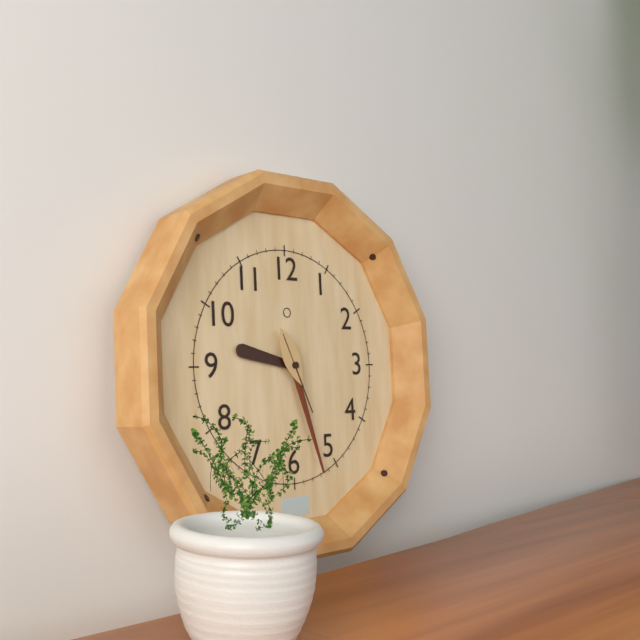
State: 9h27m26s
